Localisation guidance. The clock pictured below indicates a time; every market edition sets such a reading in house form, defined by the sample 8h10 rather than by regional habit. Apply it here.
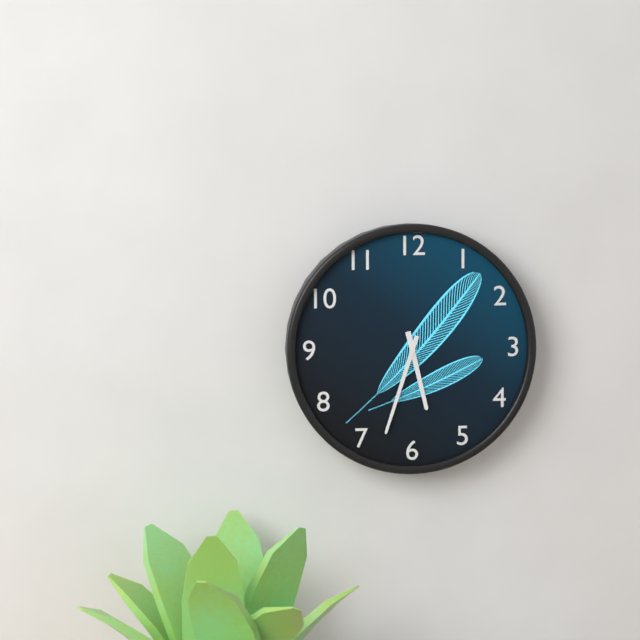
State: 5h33
